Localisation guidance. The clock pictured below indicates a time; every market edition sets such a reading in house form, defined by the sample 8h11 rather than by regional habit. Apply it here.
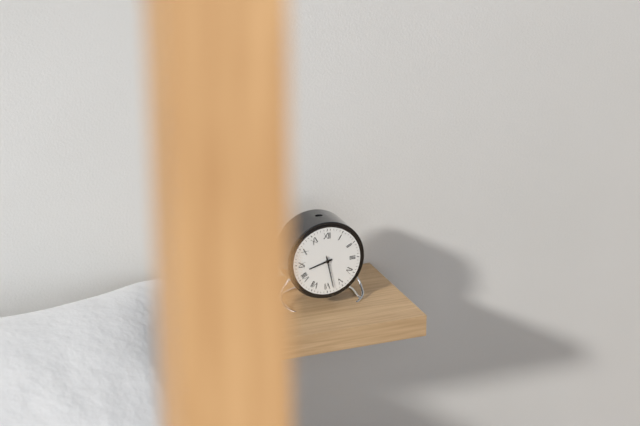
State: 8h28
